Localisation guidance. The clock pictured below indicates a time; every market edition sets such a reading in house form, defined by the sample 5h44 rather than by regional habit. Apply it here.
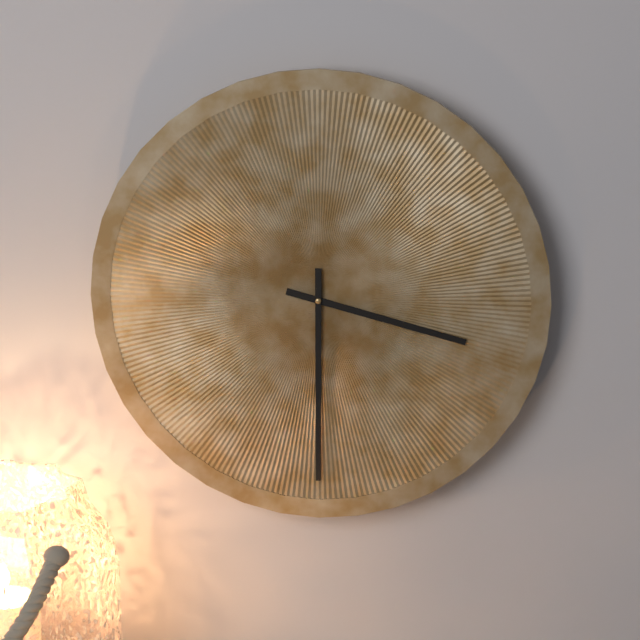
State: 3h30
